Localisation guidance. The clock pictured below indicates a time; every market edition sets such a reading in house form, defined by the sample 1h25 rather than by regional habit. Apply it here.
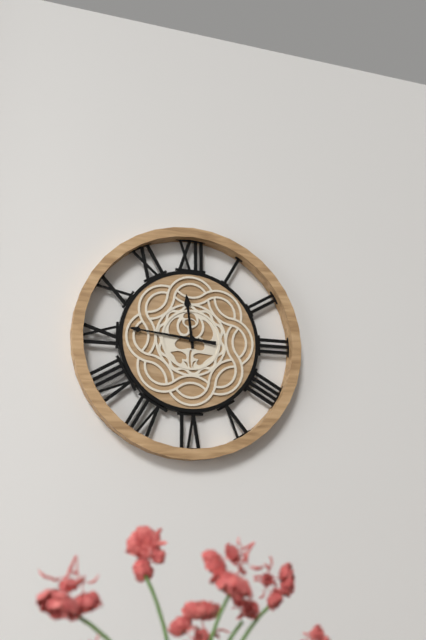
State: 11h46
